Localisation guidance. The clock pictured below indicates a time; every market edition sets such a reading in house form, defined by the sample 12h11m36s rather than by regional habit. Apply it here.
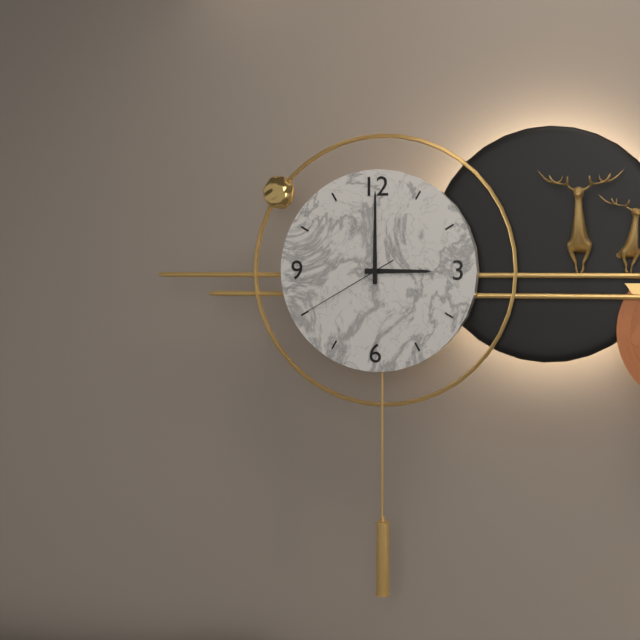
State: 3h00m40s
